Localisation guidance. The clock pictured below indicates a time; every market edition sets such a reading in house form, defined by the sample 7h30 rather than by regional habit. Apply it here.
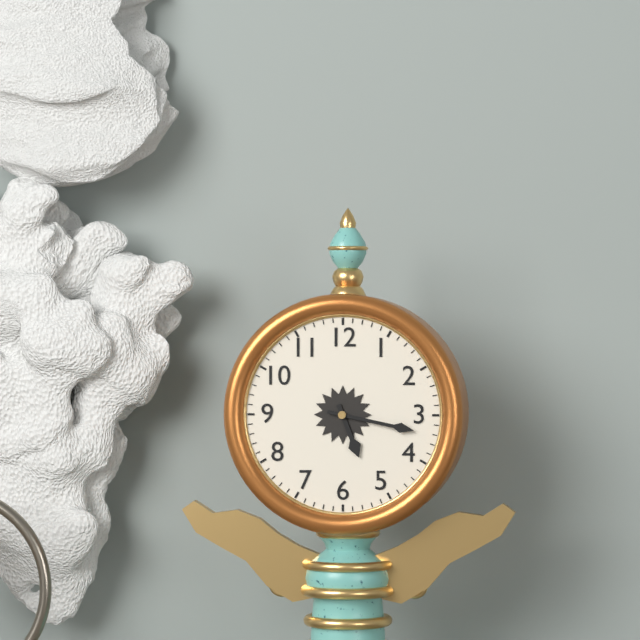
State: 5h17
